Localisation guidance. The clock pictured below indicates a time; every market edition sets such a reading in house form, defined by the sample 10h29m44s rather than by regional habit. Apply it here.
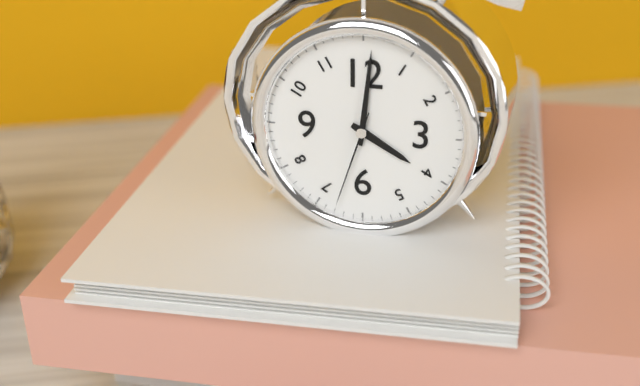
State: 4h01m33s
